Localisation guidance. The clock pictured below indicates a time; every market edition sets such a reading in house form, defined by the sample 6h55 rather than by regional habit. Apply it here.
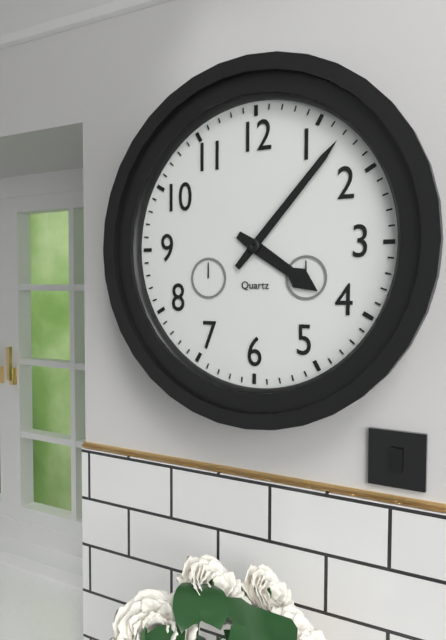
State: 4h07
